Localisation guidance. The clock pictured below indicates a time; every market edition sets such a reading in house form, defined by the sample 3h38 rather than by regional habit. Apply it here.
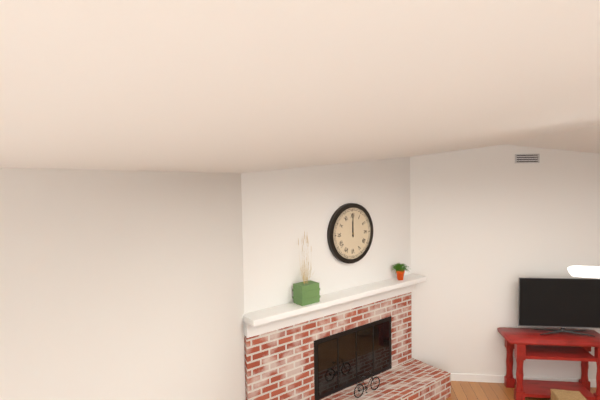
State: 12h00
